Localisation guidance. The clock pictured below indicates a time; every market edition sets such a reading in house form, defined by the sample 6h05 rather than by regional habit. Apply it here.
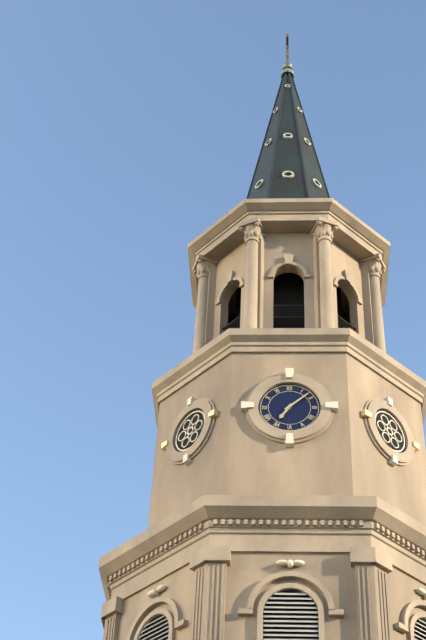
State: 7h08
